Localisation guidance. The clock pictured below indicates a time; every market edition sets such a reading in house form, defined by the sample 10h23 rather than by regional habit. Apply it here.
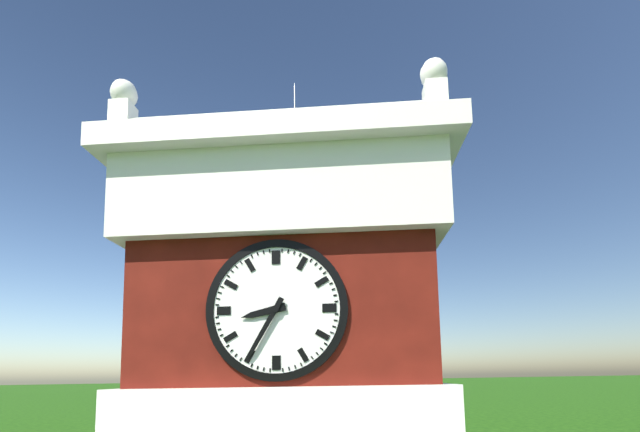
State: 8h35
